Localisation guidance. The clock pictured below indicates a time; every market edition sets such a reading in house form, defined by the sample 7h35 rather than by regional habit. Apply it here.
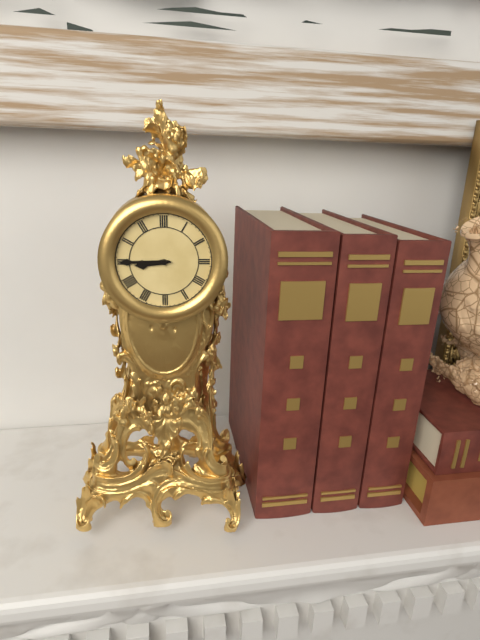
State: 8h45
